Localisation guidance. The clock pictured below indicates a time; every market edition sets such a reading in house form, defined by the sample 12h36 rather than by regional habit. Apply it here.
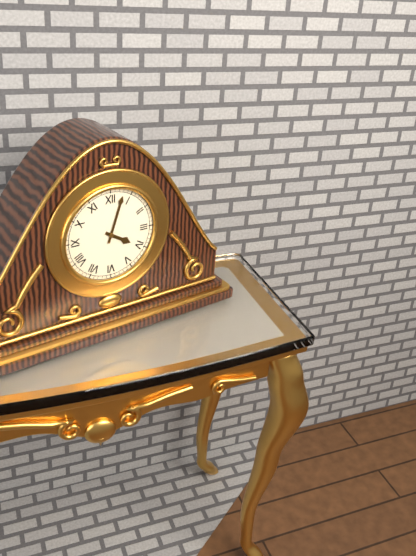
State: 4h03
